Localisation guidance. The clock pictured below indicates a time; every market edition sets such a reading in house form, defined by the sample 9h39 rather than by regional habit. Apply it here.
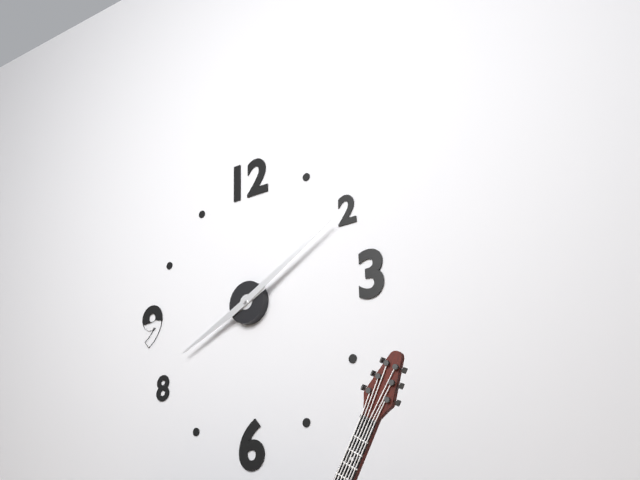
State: 8h10
